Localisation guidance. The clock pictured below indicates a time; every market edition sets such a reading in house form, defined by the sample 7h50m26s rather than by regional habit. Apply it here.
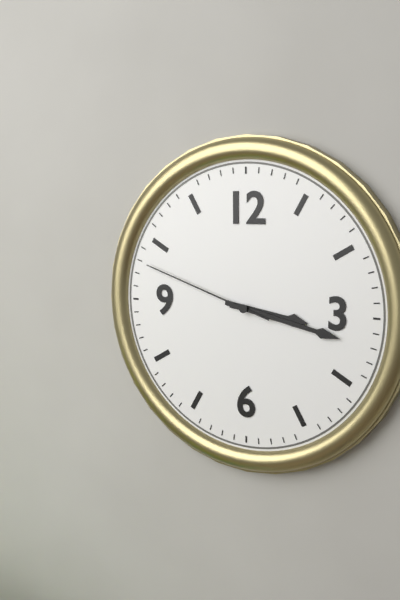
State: 3h17m48s
